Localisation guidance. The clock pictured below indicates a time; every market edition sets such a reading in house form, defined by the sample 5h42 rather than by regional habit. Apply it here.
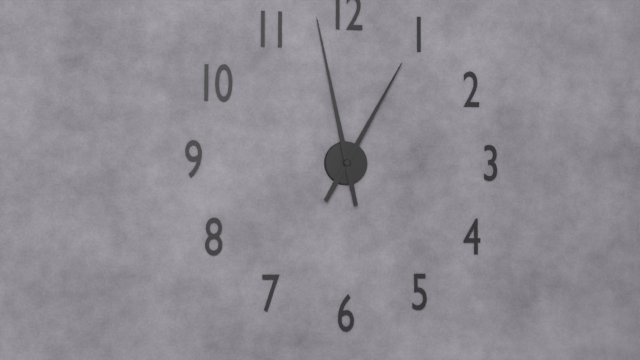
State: 12h58
